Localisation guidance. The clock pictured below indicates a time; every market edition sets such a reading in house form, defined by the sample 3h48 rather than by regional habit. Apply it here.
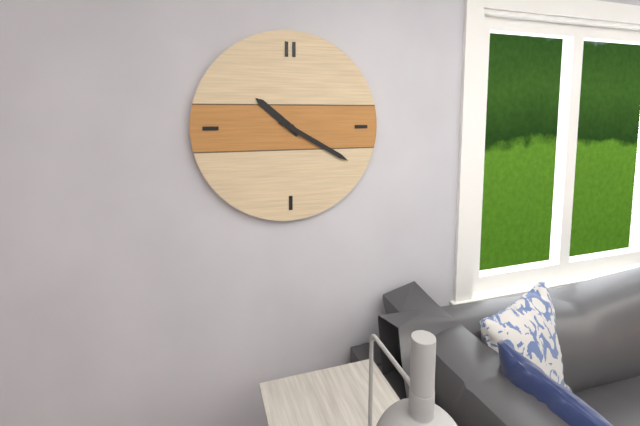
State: 10h20
